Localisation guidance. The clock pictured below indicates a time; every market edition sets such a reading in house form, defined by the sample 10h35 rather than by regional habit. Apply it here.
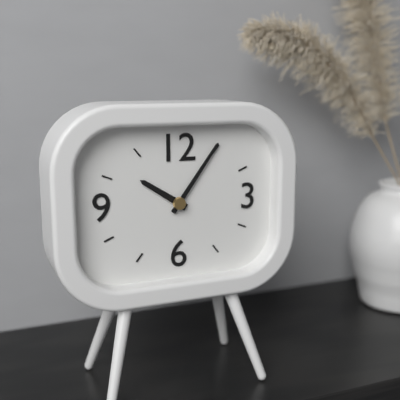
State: 10h06
